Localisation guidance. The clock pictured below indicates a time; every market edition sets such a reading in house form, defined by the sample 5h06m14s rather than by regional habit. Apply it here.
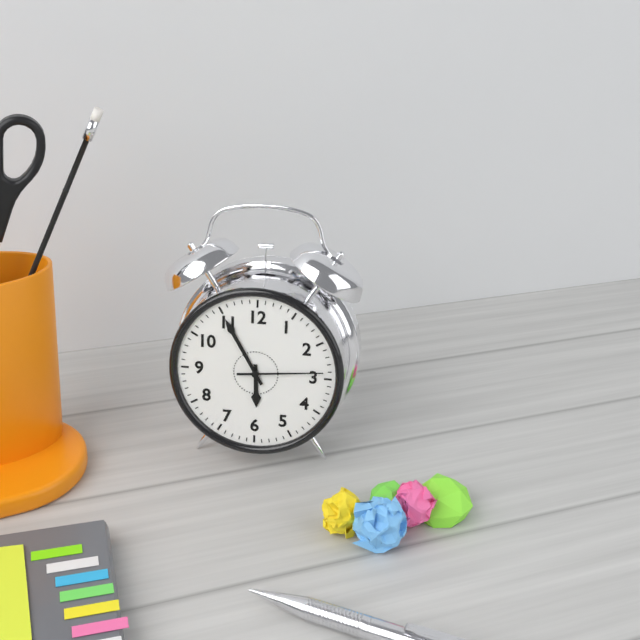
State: 5h55m14s
